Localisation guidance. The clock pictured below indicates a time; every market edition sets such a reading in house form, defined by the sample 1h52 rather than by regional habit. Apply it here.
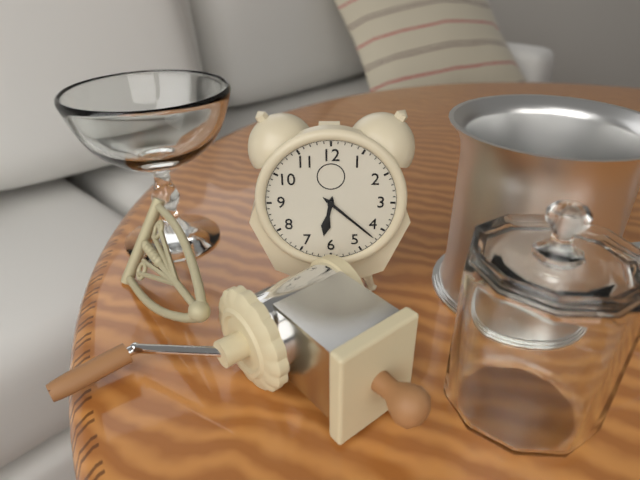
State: 6h22
